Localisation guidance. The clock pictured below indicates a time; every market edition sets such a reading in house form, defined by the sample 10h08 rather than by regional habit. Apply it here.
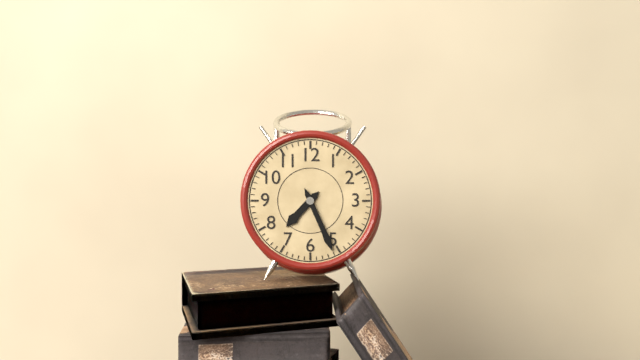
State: 7h26
